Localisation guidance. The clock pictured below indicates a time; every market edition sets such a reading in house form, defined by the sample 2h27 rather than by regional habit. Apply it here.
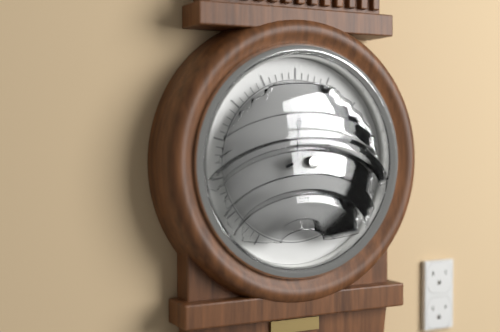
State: 12h11
